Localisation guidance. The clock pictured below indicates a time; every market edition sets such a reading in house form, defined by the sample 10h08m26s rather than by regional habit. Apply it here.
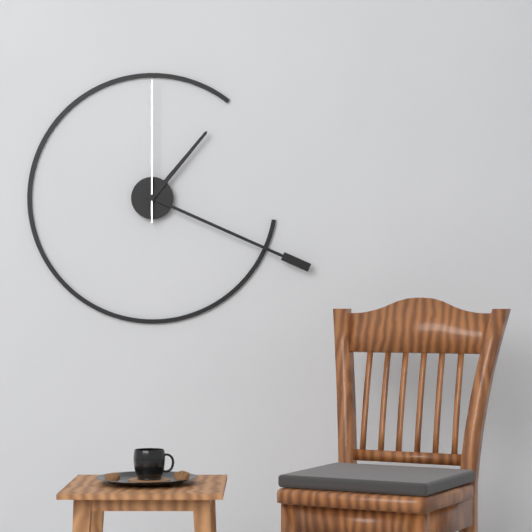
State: 1h19m00s
